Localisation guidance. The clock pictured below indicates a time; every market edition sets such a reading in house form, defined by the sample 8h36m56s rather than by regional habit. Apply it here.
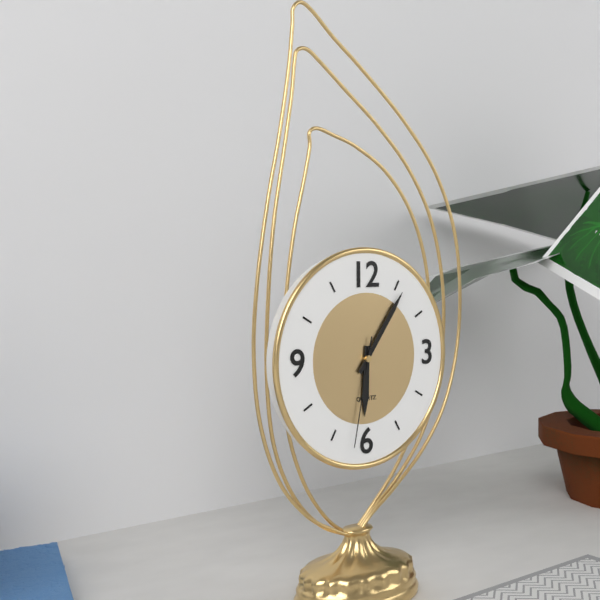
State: 6h06m32s
